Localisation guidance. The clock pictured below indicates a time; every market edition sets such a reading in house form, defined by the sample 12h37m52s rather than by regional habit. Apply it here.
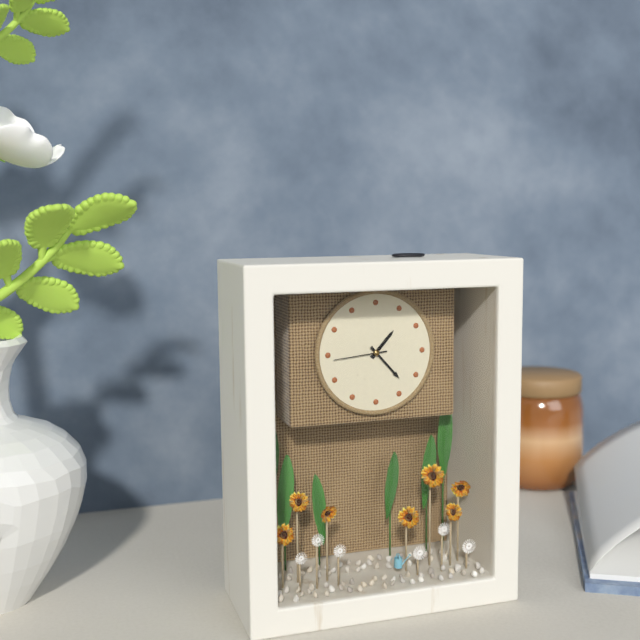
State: 1h23m44s
